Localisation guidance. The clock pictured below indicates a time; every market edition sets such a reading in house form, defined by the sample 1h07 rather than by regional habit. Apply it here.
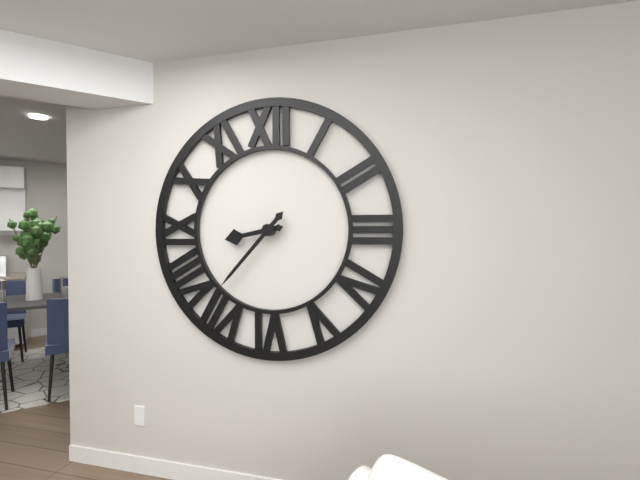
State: 8h37
